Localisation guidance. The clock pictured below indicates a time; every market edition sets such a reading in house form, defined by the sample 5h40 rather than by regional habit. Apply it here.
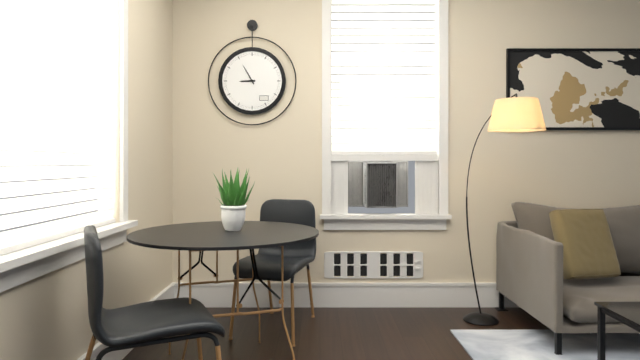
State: 8h55
